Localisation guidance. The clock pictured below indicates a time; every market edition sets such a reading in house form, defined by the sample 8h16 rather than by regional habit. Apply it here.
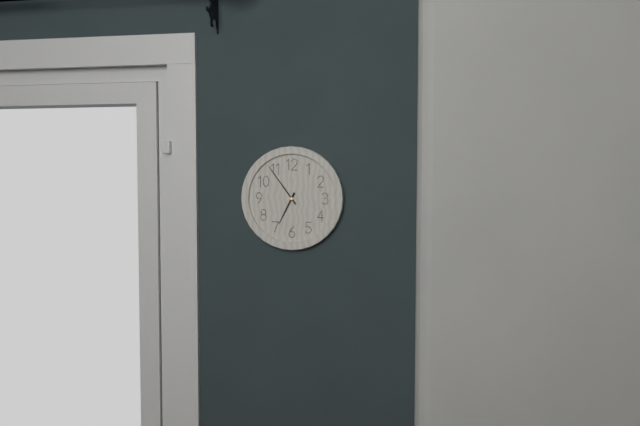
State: 6h54
